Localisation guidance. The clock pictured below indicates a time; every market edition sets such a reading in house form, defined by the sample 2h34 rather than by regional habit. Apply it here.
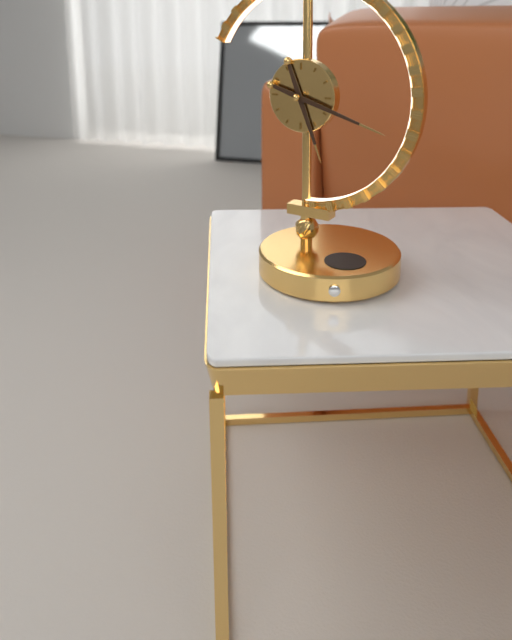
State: 5h18
